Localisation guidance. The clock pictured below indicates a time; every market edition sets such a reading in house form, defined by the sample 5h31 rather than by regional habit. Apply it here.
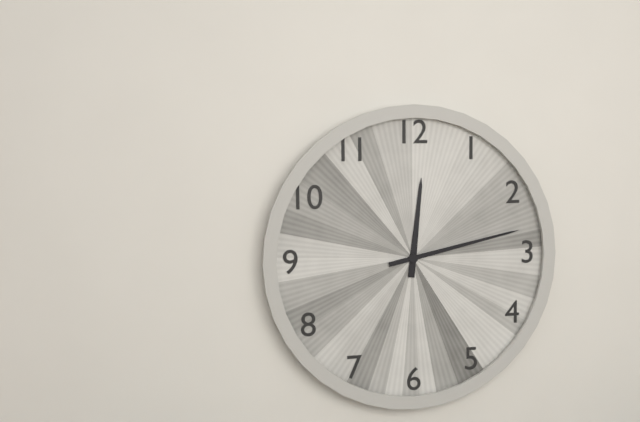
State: 12h13
